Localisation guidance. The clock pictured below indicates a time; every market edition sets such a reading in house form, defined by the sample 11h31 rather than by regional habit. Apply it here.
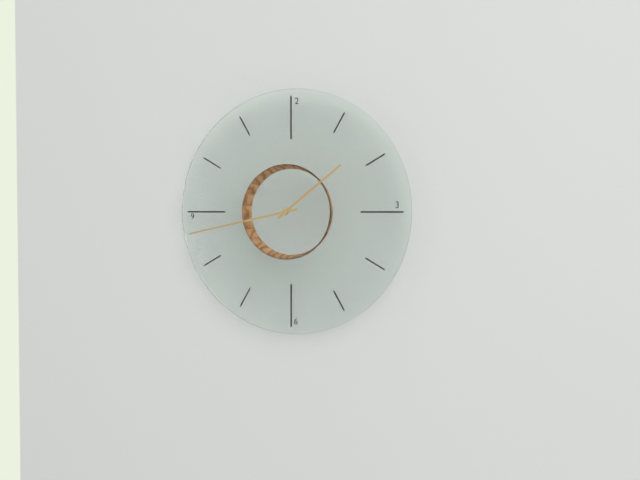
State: 1h43
